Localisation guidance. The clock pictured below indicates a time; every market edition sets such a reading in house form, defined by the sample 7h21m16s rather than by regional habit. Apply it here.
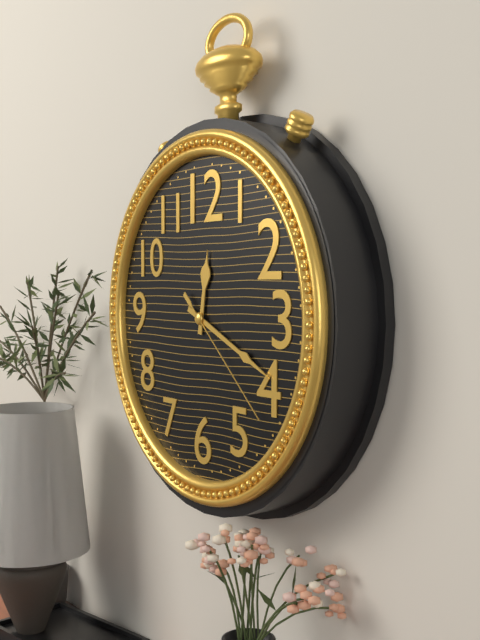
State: 12h19m22s
